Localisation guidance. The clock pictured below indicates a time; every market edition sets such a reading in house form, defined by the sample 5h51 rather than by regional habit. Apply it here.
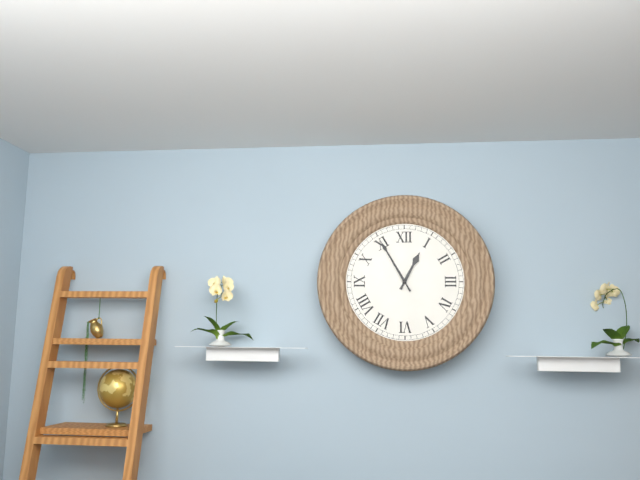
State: 12h55
